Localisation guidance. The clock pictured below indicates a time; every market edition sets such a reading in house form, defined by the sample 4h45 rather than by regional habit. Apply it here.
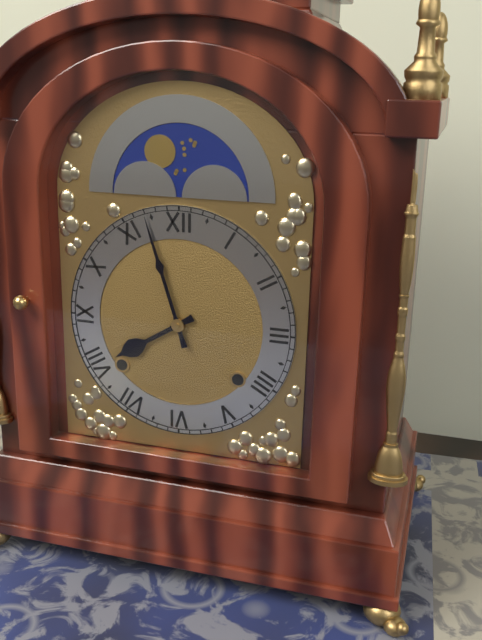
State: 7h57
